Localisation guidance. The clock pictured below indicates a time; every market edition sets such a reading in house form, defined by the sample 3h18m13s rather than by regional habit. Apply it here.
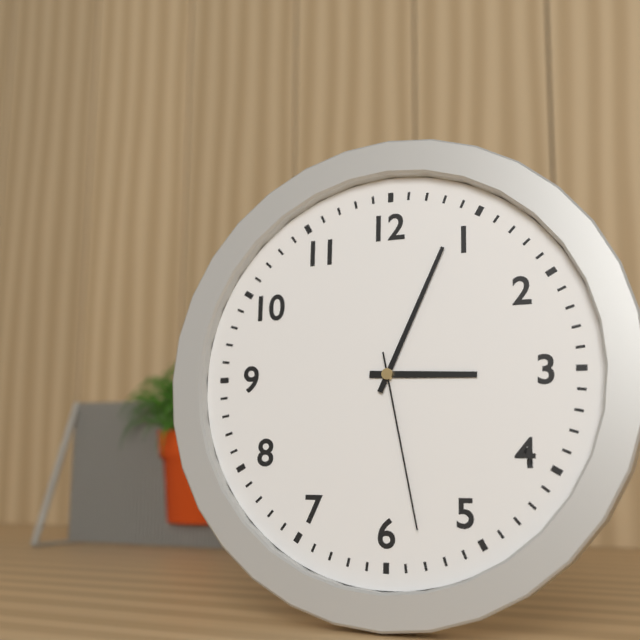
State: 3h04m28s
